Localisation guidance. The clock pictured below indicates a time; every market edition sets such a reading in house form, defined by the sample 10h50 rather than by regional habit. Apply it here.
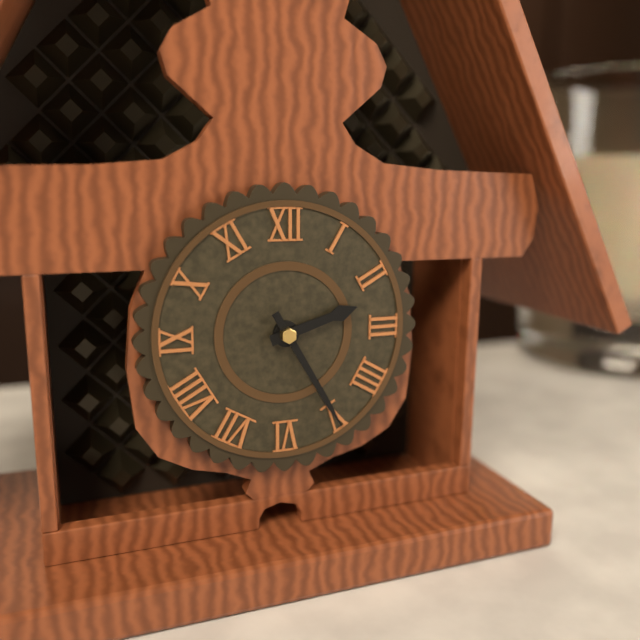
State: 2h25
